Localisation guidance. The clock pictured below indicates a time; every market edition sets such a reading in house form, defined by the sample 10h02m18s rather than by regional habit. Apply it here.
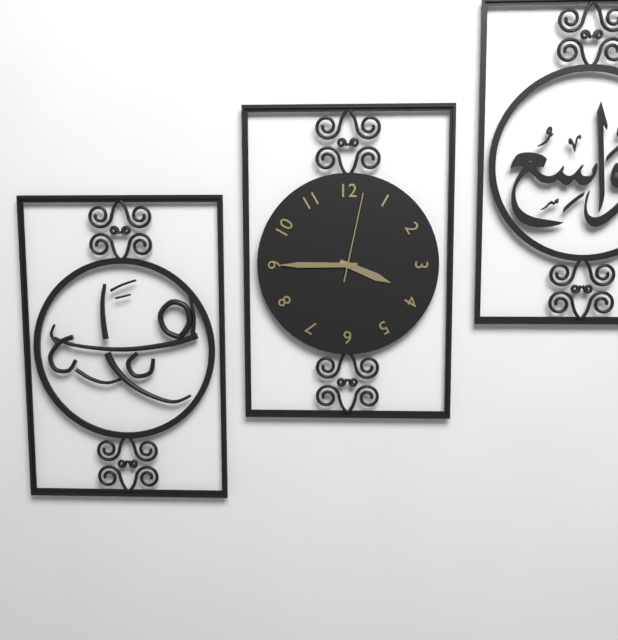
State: 3h45m02s
